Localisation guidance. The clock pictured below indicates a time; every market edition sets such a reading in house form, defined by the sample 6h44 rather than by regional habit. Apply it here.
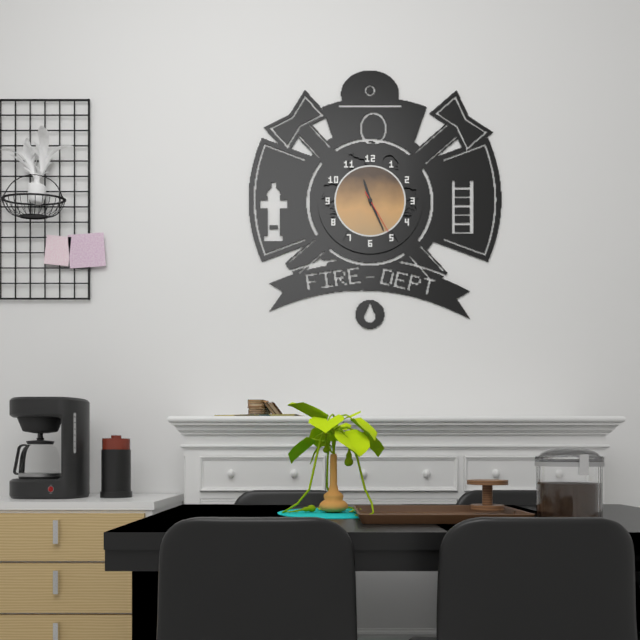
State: 11h26
